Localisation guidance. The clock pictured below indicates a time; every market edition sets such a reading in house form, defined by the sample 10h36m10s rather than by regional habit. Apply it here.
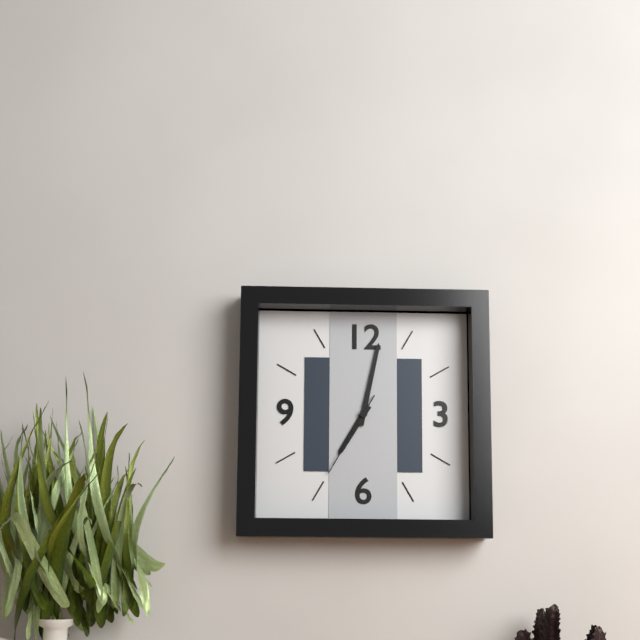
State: 7h02m35s
